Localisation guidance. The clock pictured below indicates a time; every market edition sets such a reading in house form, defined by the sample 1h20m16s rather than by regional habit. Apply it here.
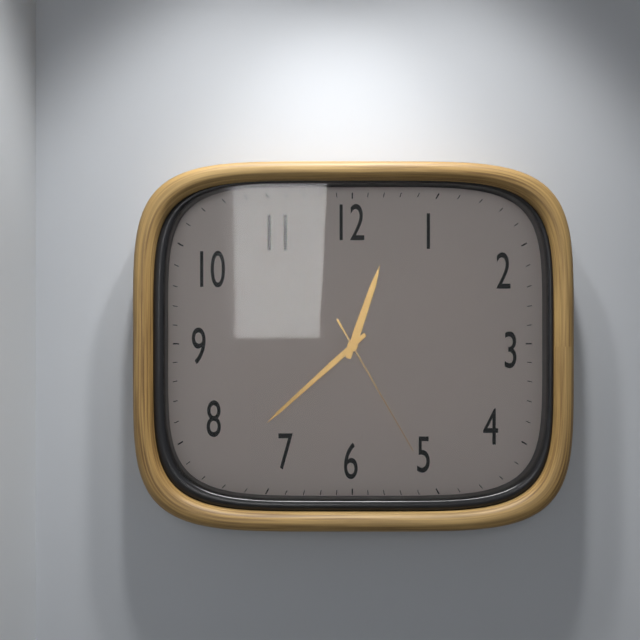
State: 12h38m25s
